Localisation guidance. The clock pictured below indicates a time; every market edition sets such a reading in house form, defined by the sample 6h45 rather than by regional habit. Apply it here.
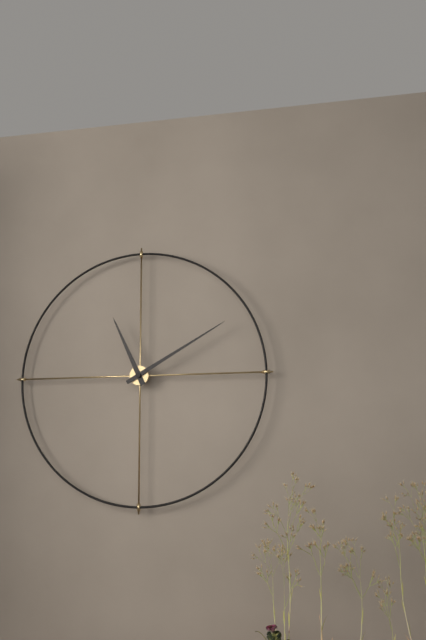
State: 11h10
